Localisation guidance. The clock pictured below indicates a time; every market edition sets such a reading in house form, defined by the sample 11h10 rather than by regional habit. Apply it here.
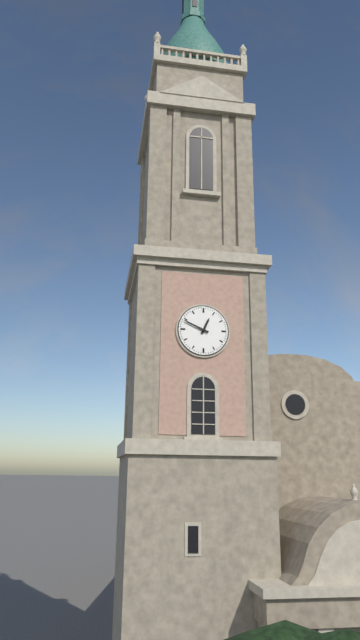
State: 12h49
